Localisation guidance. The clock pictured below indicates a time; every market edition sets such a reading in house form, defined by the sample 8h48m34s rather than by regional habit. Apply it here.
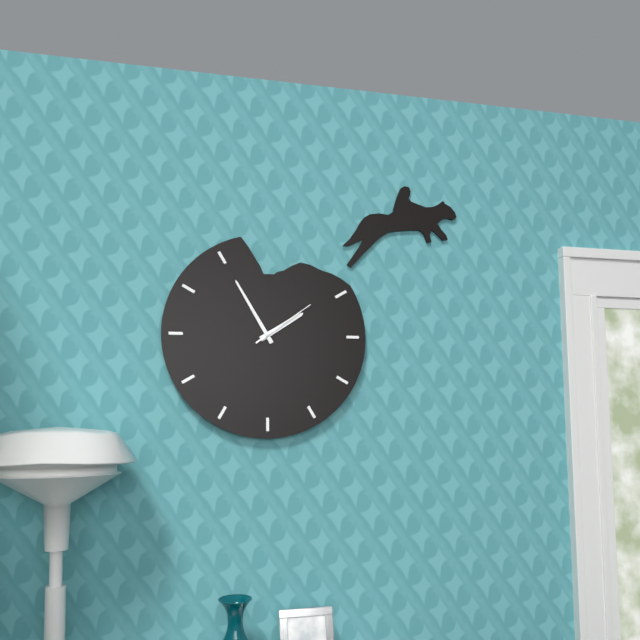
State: 1h55m09s
